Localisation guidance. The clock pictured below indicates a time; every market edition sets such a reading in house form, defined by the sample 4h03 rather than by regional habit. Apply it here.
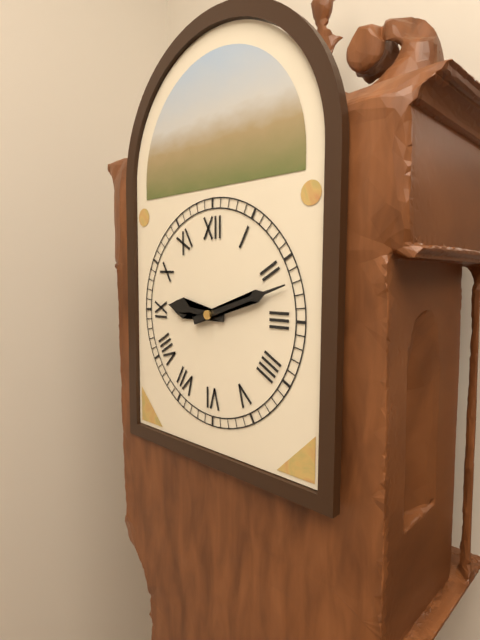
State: 9h12
